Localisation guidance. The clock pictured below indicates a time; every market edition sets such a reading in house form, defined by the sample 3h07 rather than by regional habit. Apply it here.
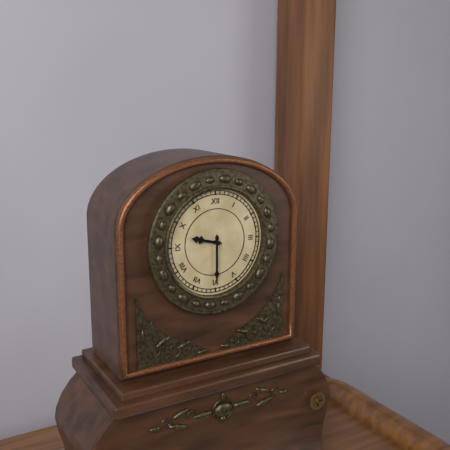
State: 9h30
